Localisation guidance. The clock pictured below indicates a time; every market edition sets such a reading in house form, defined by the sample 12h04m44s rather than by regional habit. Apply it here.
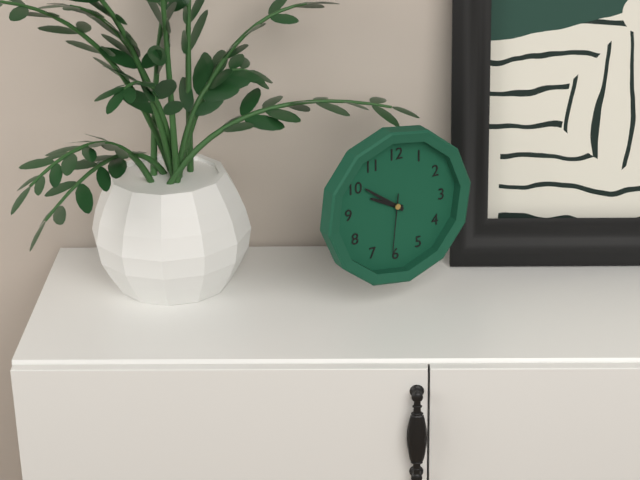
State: 9h51m31s
